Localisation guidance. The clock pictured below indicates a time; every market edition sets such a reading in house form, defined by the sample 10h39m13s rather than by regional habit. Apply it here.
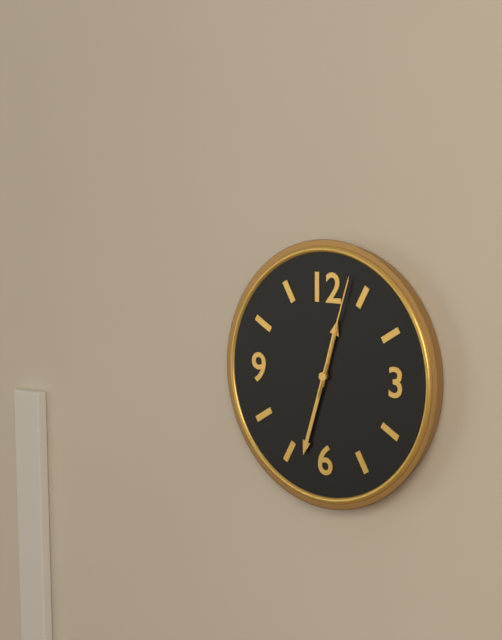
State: 12h33m03s
